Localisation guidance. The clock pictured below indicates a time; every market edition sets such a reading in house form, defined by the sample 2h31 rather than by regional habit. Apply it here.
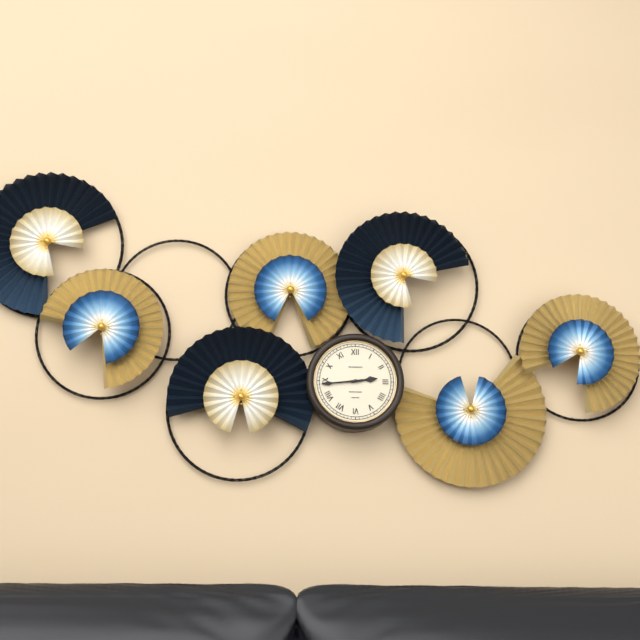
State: 2h44
